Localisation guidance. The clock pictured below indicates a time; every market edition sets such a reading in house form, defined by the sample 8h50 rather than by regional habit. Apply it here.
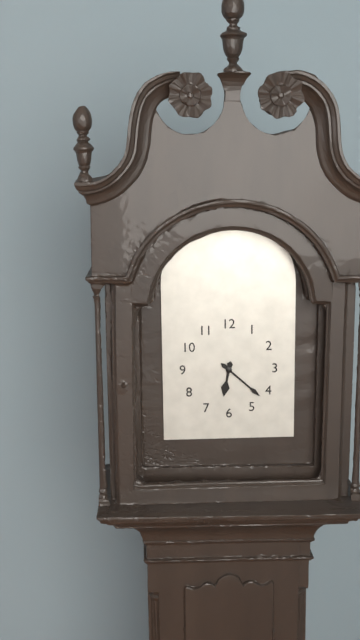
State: 6h22
